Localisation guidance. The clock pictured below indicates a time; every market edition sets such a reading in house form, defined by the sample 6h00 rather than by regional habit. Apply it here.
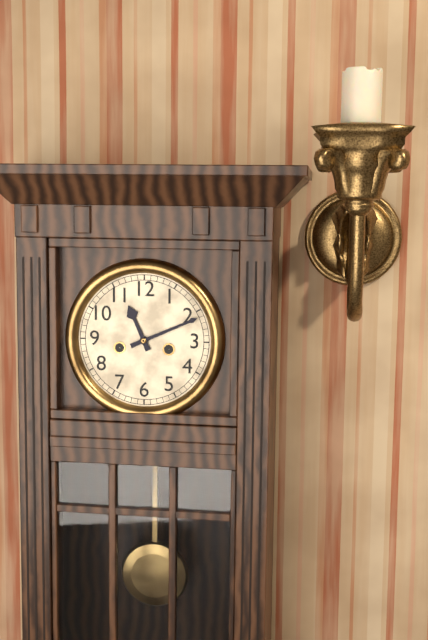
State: 11h11
